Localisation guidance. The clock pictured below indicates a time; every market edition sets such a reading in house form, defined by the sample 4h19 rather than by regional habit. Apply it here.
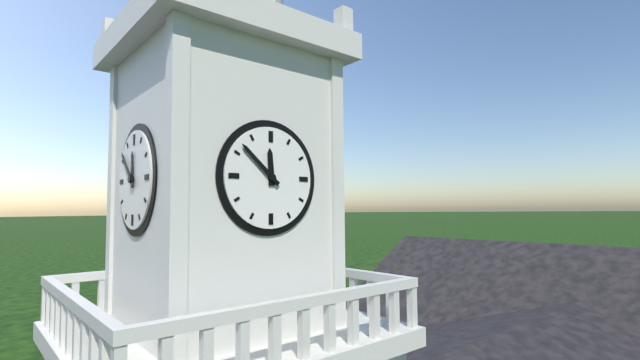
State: 11h52
